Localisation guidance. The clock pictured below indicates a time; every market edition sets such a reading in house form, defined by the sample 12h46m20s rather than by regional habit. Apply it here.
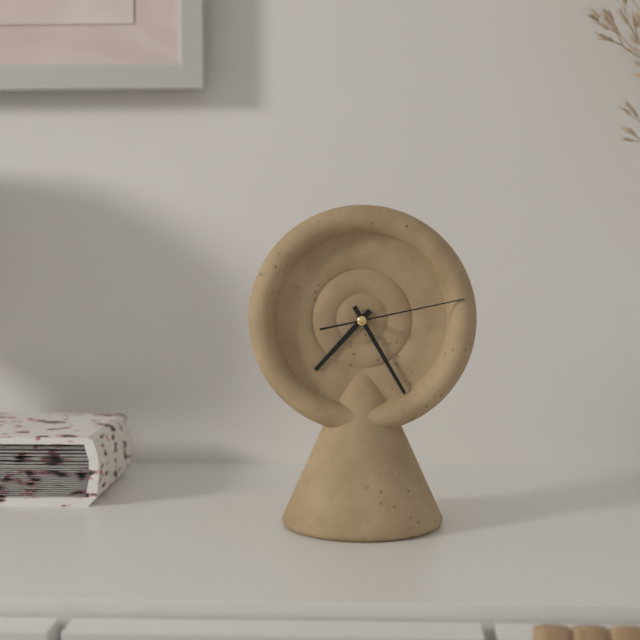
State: 7h25m13s
